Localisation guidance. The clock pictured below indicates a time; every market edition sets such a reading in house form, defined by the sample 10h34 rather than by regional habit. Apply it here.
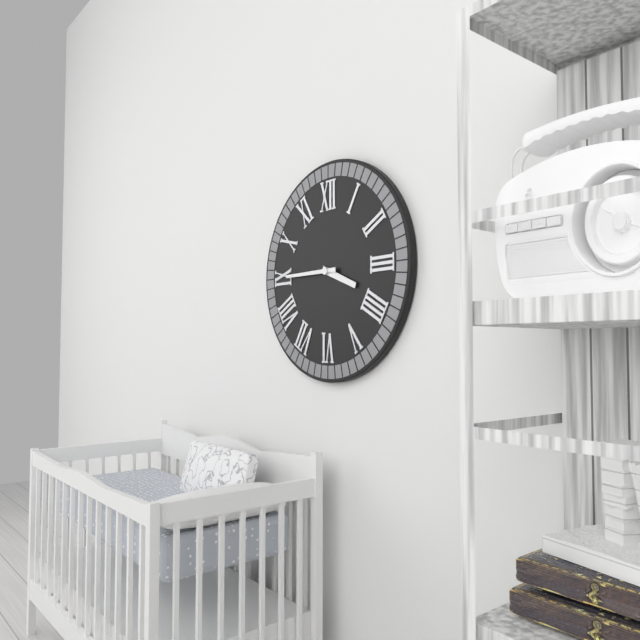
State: 3h45
